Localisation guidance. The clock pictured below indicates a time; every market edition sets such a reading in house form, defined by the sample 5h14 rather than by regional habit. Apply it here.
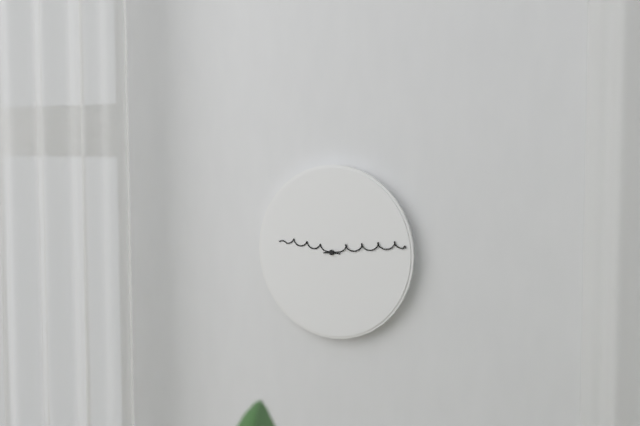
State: 9h14
